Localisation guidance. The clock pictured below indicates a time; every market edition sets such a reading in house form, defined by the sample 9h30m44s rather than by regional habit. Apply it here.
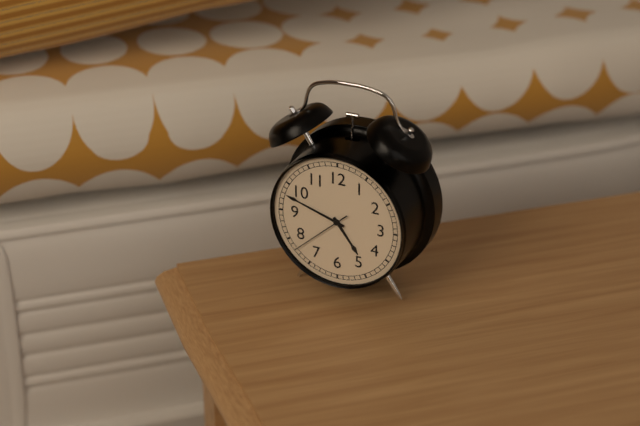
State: 4h48m38s
